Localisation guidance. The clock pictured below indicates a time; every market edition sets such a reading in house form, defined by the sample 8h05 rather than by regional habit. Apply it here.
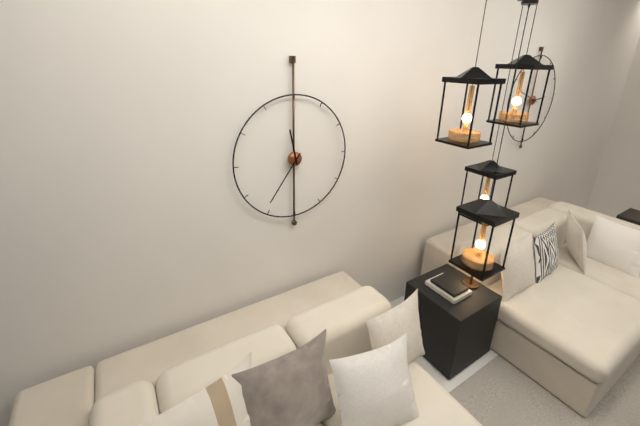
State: 11h36
